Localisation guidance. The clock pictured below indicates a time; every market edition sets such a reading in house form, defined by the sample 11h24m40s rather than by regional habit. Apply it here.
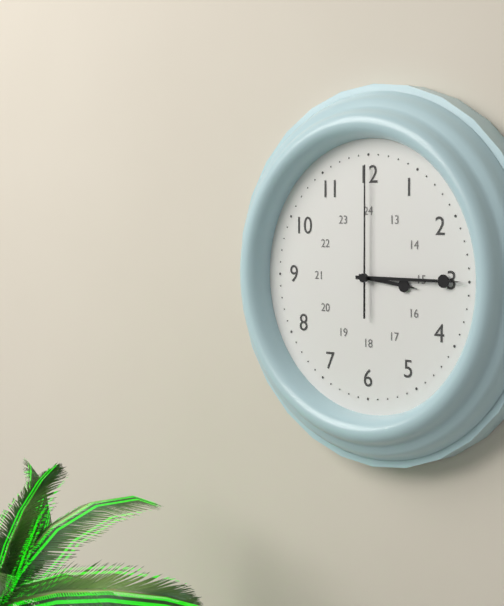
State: 3h15m00s
